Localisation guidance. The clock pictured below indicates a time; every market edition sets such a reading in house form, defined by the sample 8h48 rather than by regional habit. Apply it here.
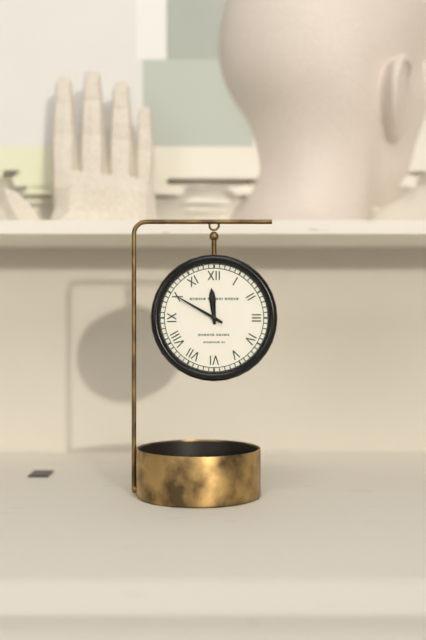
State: 11h50
